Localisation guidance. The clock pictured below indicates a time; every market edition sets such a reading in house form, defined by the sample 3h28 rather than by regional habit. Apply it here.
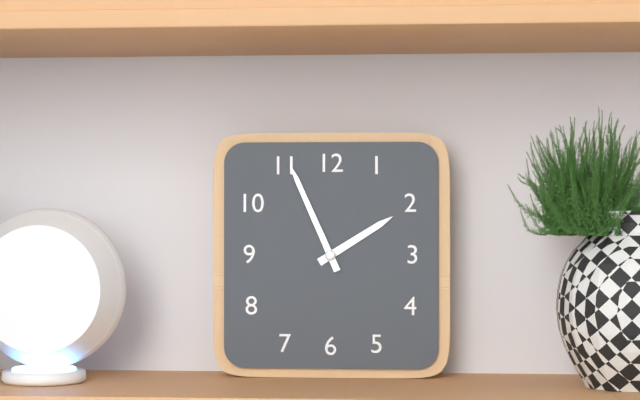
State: 1h56
